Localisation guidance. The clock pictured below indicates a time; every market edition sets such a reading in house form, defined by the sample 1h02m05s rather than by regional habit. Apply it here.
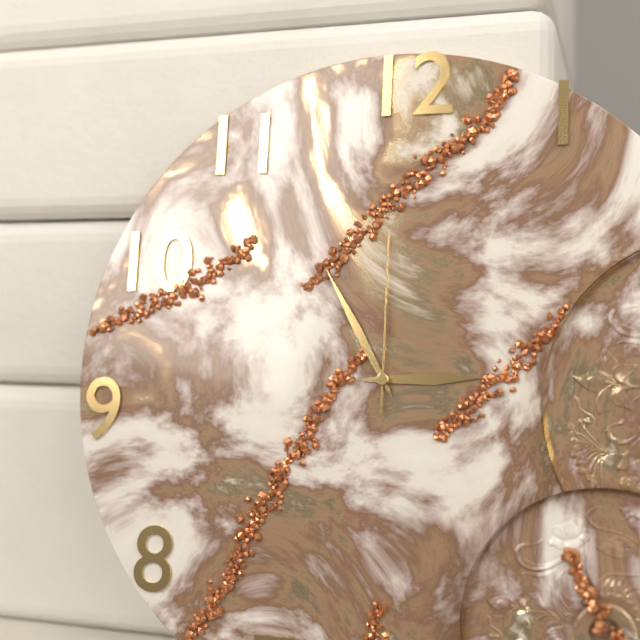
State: 2h55m00s
